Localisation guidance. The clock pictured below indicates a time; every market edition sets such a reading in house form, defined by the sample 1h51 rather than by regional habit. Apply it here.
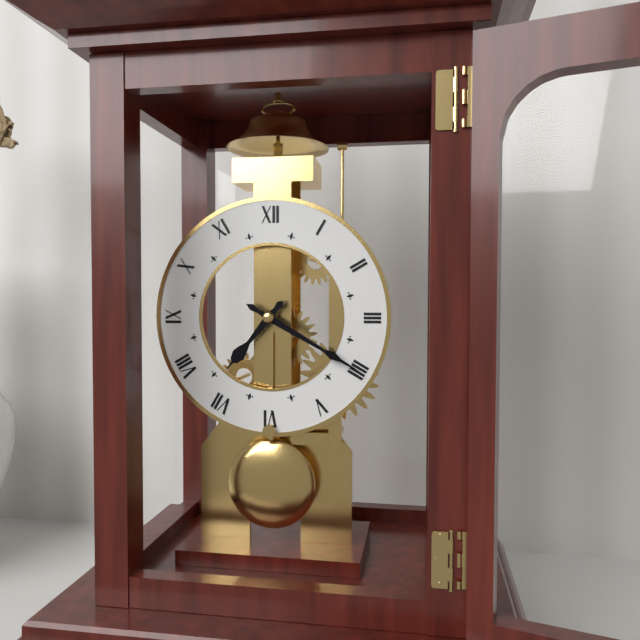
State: 7h20
